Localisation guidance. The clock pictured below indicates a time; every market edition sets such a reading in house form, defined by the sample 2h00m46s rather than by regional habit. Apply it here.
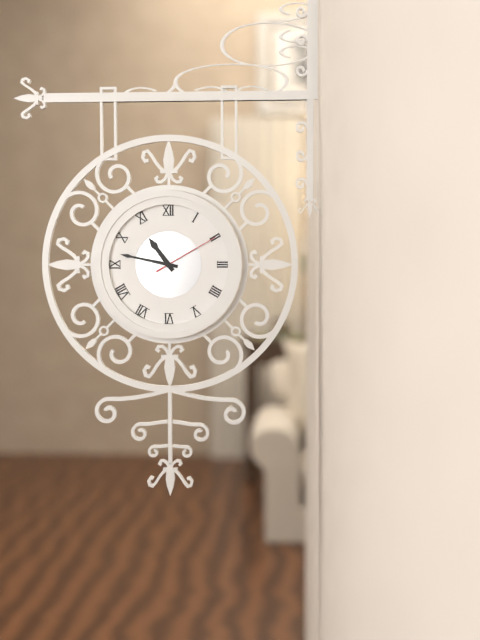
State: 10h47m10s
